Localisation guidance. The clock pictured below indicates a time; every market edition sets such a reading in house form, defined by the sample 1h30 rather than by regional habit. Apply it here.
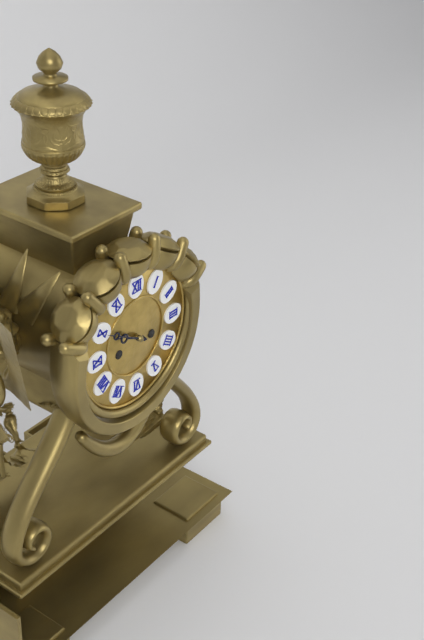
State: 9h50
